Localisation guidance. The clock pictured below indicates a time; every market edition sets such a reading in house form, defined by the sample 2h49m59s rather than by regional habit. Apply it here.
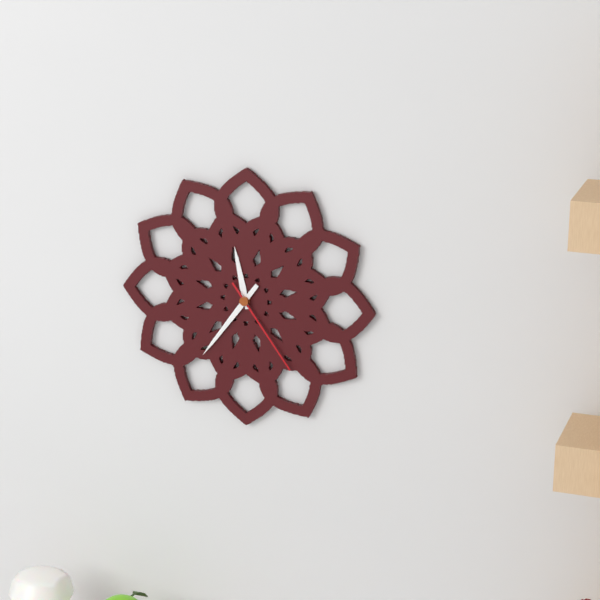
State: 11h36m24s
